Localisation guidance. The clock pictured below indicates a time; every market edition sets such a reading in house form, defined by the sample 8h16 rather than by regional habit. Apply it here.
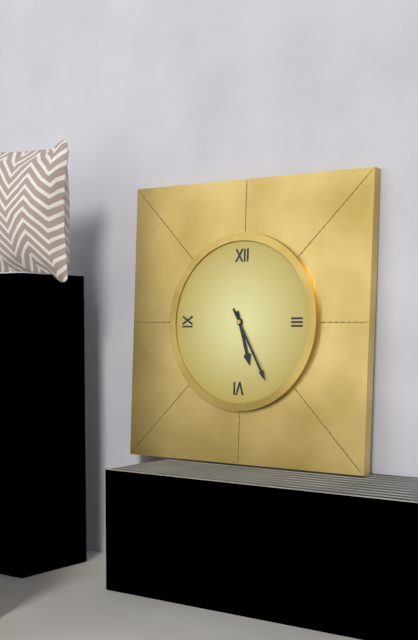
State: 5h25
